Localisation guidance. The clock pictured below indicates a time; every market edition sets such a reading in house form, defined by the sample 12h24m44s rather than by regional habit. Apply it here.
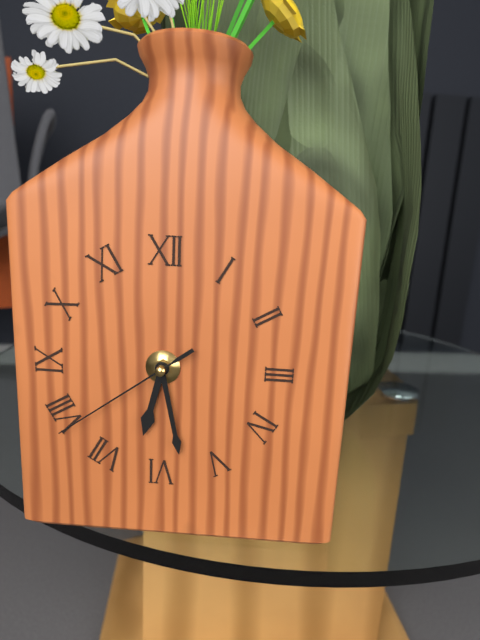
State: 6h28m39s
